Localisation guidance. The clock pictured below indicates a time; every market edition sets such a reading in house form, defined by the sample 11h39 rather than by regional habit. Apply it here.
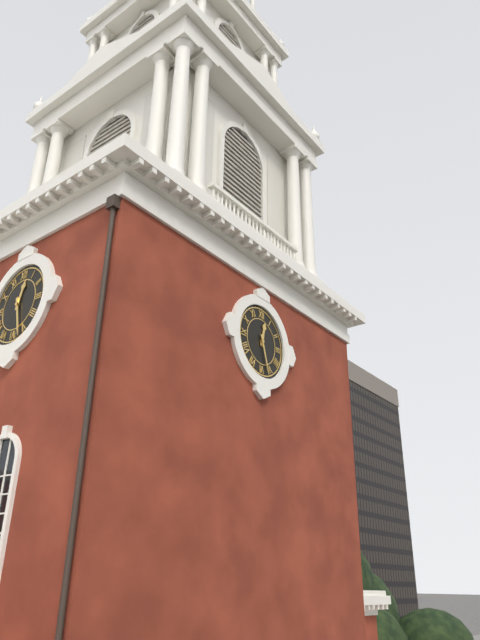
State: 12h27
